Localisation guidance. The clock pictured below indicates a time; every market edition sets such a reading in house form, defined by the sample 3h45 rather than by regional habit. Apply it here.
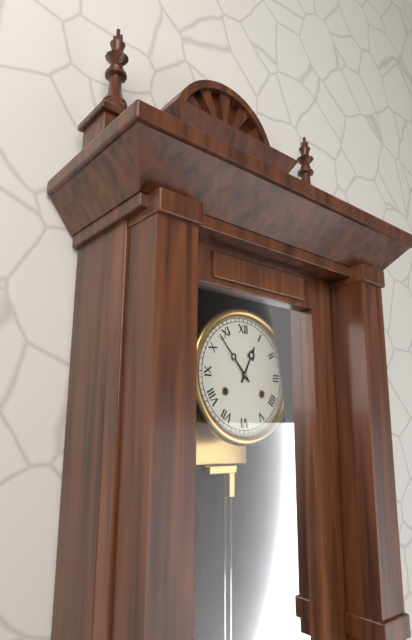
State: 12h53
